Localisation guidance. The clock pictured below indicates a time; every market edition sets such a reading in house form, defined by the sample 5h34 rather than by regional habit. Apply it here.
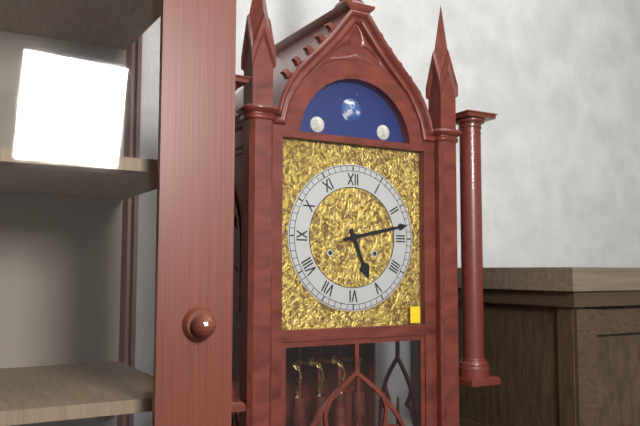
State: 5h13
